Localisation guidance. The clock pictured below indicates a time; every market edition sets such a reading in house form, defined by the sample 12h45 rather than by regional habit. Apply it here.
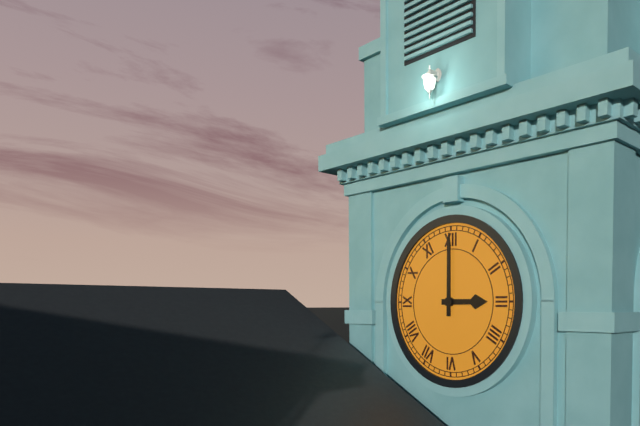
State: 3h00
